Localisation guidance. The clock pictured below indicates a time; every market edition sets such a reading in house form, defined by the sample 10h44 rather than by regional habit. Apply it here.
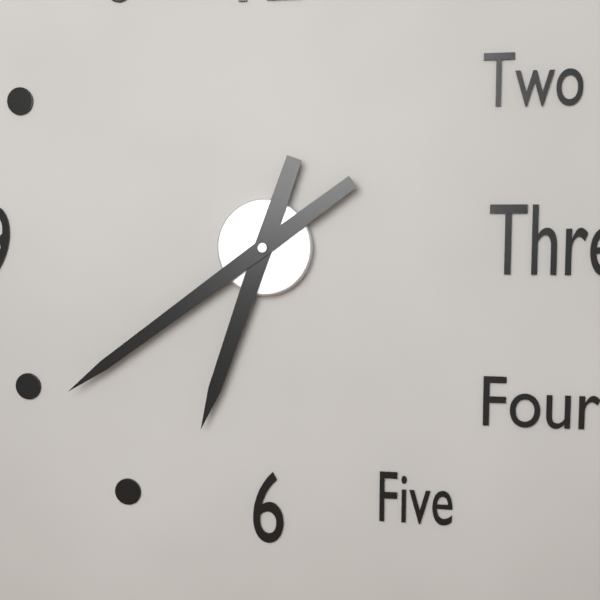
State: 6h39
